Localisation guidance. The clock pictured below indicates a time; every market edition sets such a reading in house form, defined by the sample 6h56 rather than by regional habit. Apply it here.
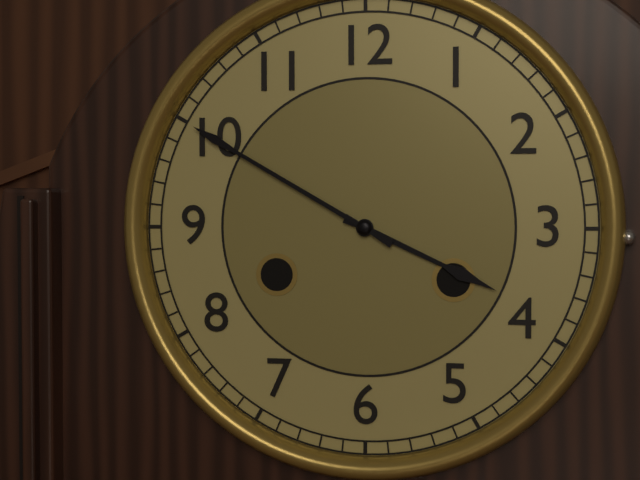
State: 3h50
